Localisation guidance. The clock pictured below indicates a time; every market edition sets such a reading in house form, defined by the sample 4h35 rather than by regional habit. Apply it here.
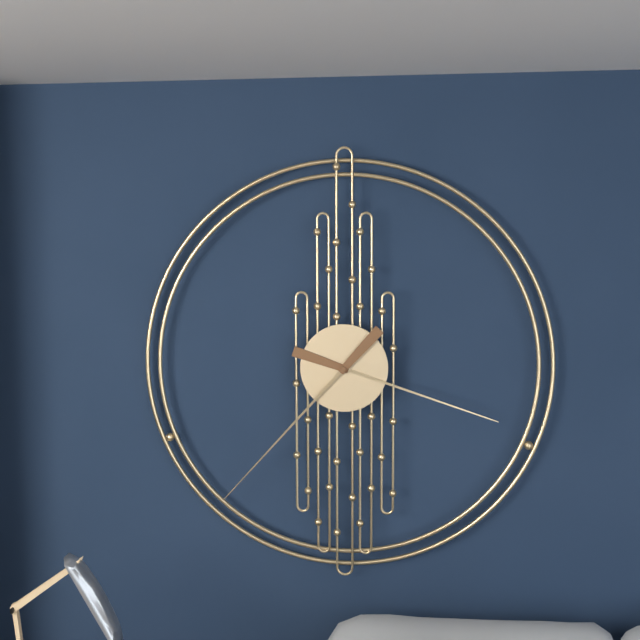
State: 3h37
